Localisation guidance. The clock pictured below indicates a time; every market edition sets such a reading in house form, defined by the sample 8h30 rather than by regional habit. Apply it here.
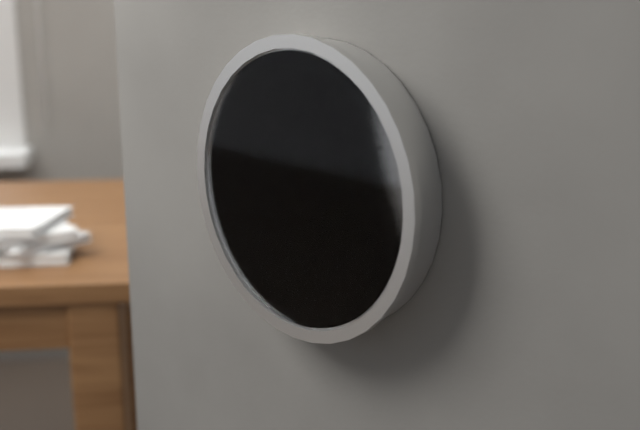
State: 6h26
